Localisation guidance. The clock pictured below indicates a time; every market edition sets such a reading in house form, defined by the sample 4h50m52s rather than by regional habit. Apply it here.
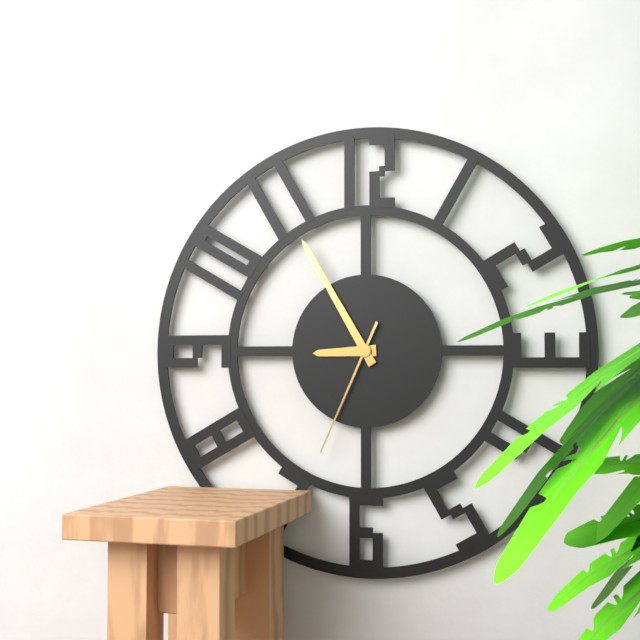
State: 8h55m34s
